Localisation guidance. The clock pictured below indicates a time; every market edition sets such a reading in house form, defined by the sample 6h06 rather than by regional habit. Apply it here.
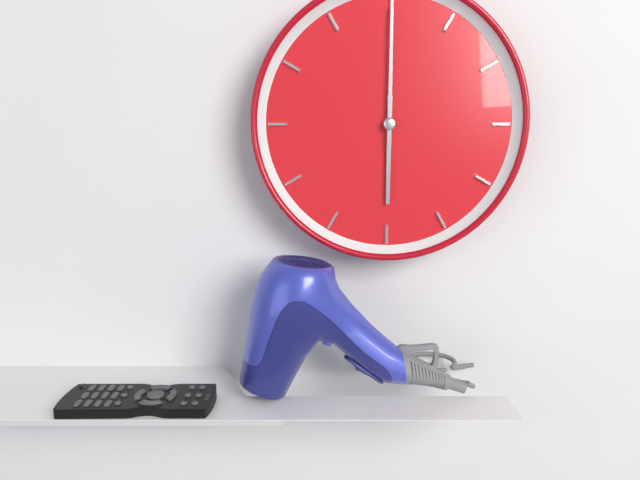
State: 6h00
